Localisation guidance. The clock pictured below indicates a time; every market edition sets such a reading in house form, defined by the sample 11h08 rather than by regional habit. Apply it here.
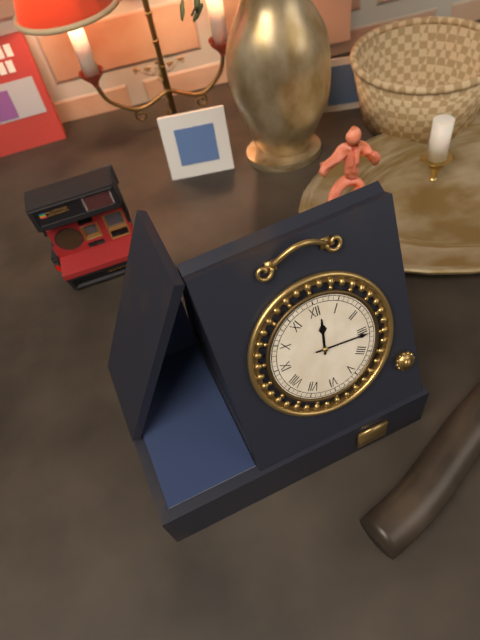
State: 12h16
